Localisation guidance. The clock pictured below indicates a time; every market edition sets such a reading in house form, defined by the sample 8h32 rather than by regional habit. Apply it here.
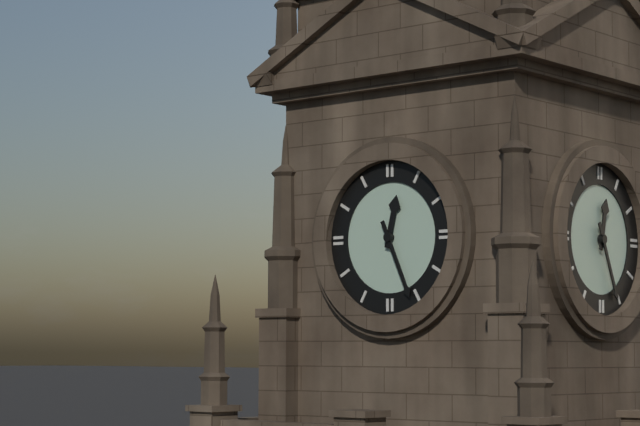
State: 12h26
